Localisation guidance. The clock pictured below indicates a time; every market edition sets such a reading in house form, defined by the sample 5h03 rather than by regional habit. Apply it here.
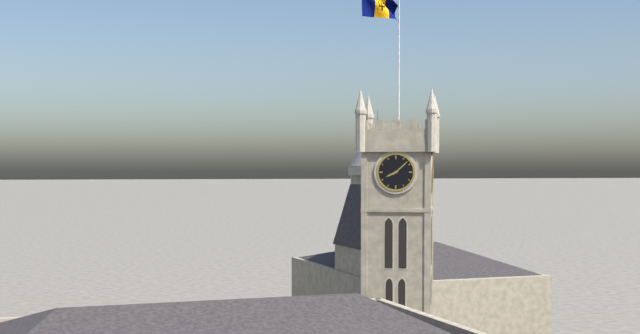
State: 8h08
